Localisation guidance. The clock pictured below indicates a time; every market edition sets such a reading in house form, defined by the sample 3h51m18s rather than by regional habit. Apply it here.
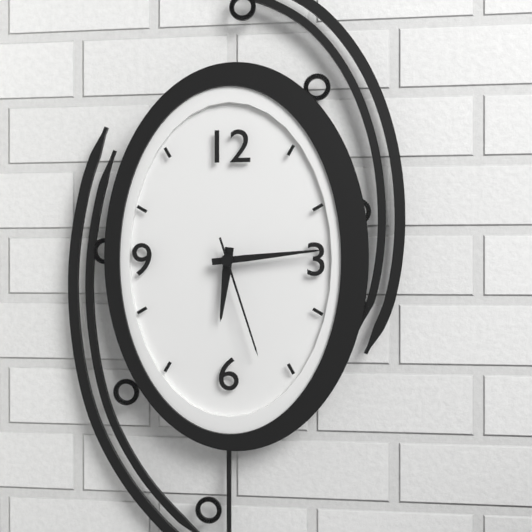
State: 6h14m27s
